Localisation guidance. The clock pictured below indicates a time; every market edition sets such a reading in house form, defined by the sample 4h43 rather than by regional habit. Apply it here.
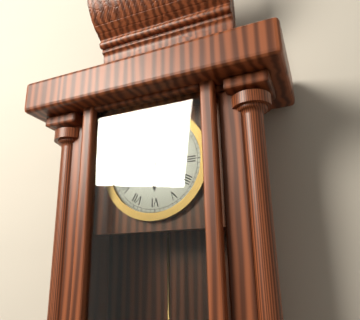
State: 6h01
